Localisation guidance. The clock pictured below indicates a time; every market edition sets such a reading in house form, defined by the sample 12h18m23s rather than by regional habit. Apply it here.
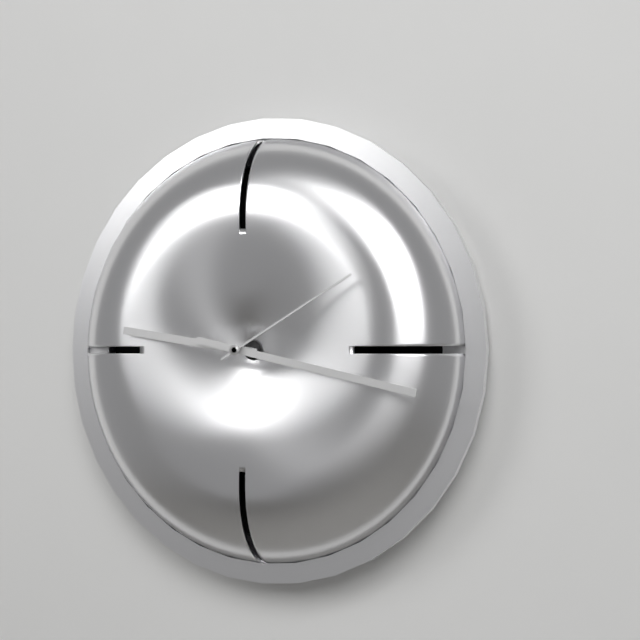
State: 9h17m10s
